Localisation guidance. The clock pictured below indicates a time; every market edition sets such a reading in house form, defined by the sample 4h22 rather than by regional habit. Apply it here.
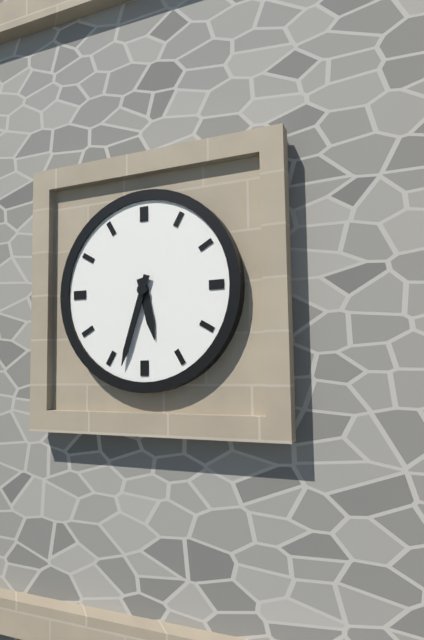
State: 5h33
